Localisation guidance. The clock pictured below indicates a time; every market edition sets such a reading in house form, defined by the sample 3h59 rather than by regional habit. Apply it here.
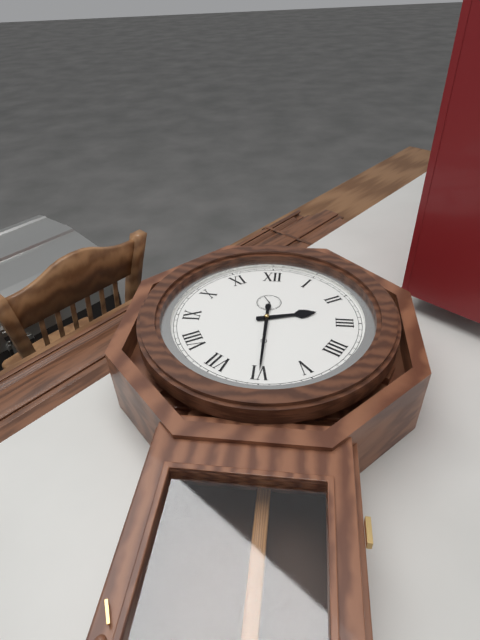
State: 2h30
